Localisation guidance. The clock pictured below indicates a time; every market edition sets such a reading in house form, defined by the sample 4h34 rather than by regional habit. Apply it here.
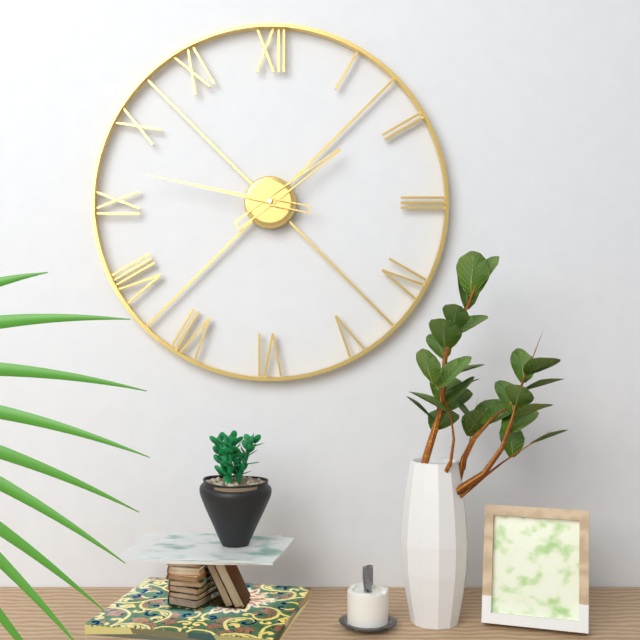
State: 1h47
